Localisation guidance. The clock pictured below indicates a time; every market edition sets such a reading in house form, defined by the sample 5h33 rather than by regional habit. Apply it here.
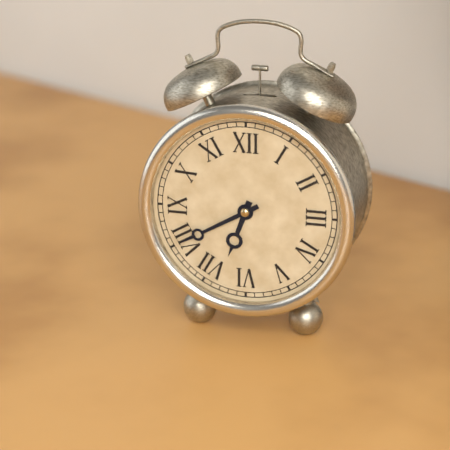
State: 6h40
